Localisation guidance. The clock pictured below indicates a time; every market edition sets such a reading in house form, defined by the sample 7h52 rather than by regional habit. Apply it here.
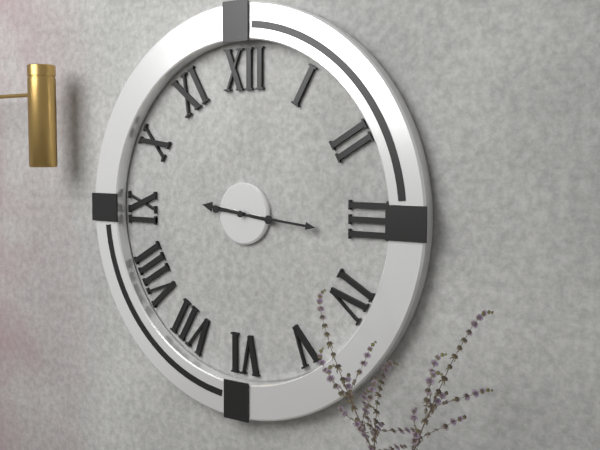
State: 9h16
